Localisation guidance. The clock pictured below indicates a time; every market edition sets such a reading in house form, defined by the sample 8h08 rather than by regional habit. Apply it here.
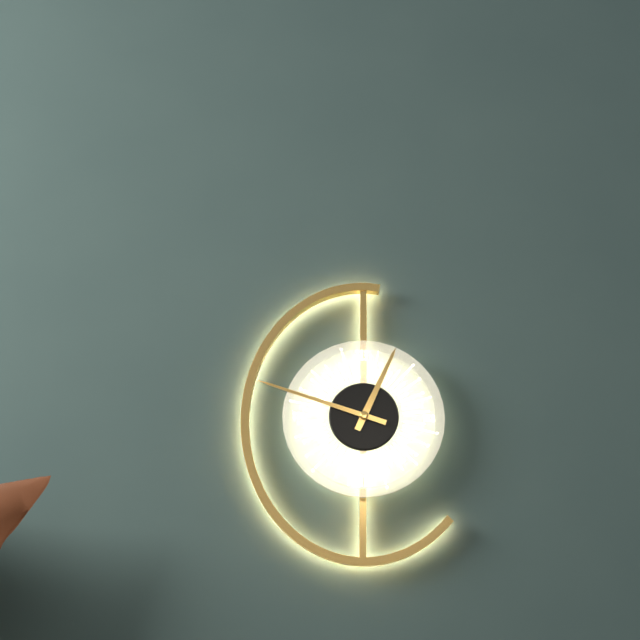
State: 12h48
